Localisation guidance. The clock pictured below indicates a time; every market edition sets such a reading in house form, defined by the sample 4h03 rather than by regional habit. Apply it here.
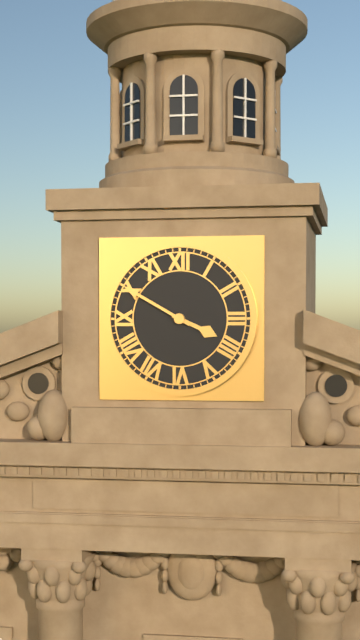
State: 3h50
